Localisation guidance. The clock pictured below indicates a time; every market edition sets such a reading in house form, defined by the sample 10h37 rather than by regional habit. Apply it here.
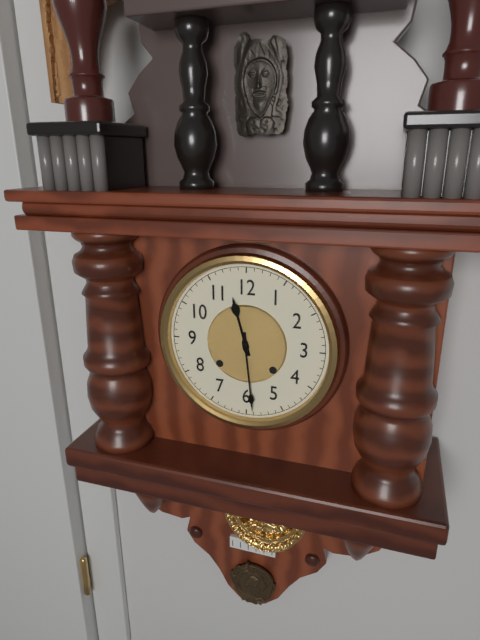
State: 11h29
